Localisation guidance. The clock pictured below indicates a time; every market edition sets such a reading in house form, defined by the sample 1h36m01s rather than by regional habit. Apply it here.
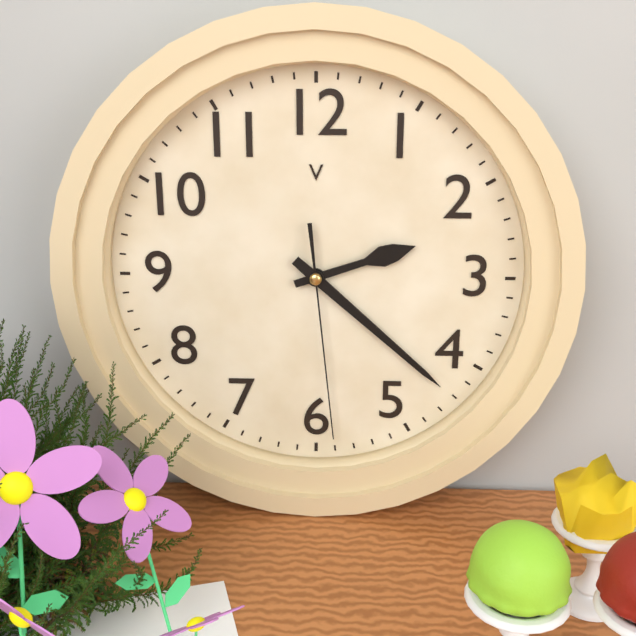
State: 2h22m29s
